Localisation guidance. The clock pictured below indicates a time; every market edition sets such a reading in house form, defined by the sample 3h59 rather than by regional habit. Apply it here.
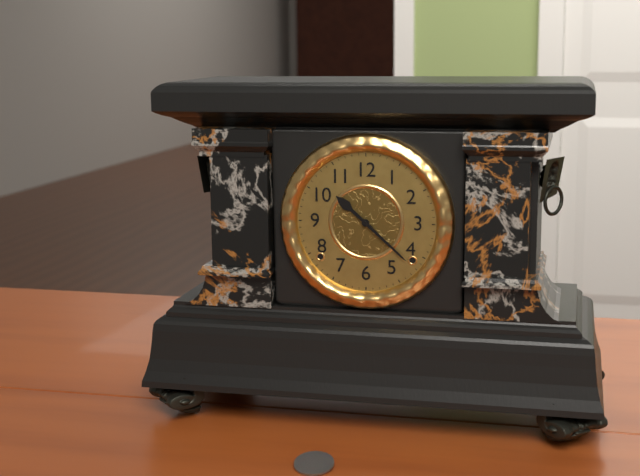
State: 10h22
